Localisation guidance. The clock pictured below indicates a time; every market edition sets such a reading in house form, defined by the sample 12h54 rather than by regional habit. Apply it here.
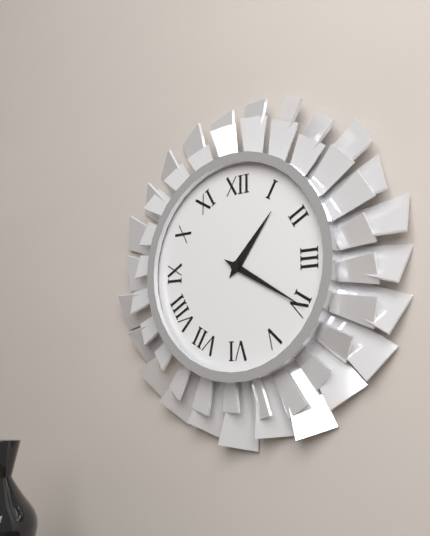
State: 1h20
